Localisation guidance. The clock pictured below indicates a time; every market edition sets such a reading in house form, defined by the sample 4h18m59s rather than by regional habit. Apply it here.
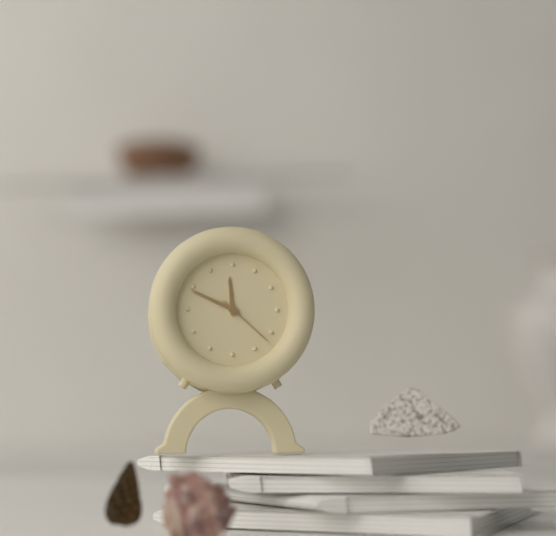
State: 11h49m22s
